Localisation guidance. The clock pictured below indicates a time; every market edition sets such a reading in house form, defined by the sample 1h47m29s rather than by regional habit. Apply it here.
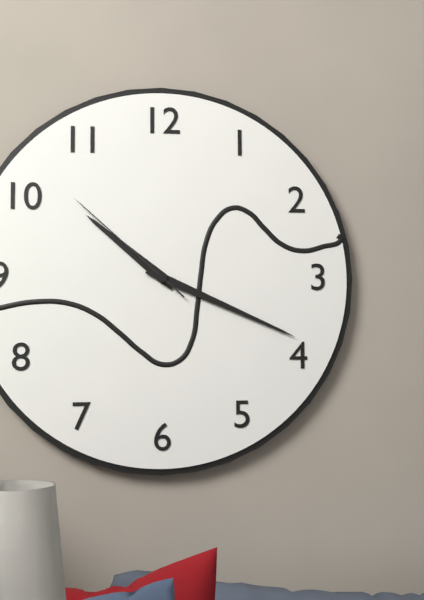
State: 10h19m52s
